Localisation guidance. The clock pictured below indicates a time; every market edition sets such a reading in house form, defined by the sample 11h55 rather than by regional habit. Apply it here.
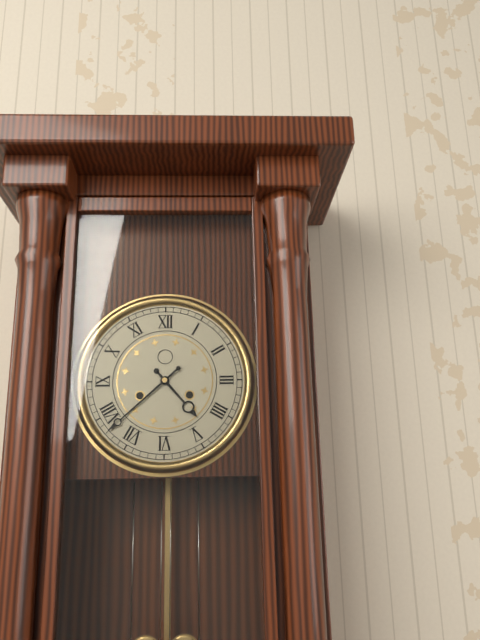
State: 4h38
